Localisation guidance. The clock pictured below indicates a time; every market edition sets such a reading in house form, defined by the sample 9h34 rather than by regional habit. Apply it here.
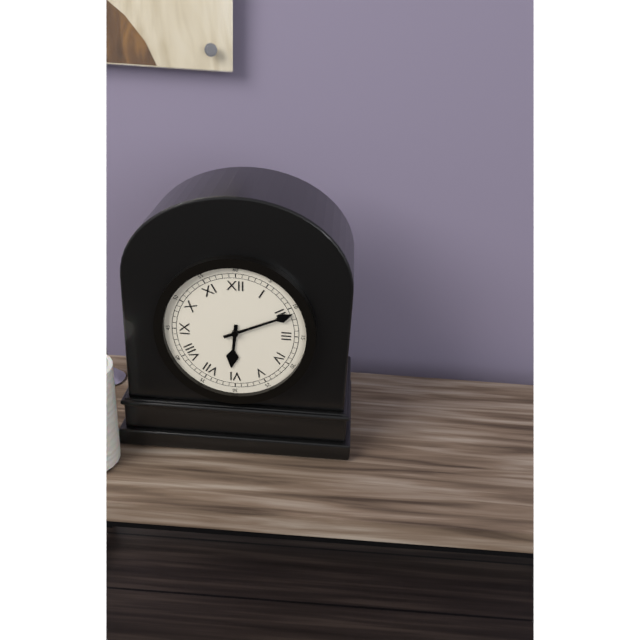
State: 6h11
